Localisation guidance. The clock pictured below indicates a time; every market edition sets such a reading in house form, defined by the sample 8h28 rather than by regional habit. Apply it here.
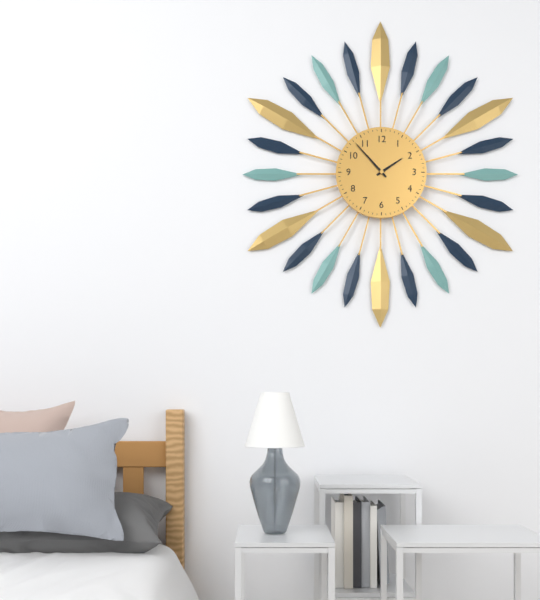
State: 1h53
